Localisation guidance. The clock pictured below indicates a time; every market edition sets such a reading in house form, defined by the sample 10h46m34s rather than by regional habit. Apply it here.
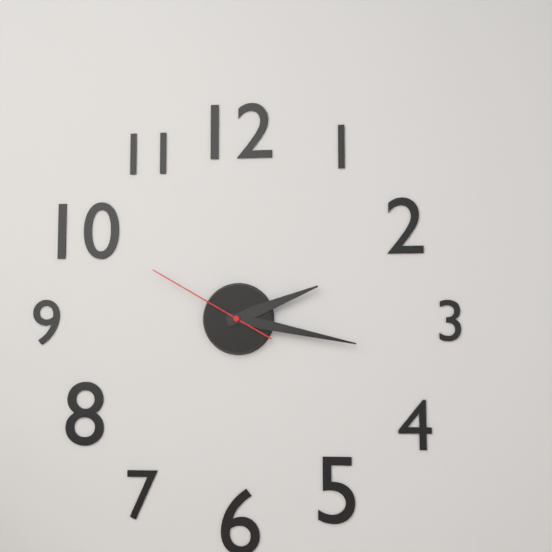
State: 2h17m50s
